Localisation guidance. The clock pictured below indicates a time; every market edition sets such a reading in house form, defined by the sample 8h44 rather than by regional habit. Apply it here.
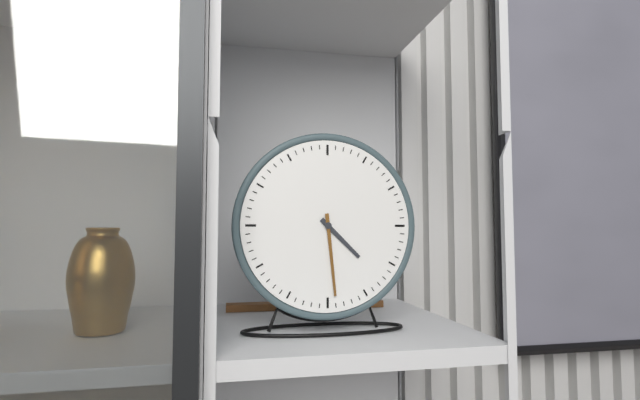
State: 4h29
